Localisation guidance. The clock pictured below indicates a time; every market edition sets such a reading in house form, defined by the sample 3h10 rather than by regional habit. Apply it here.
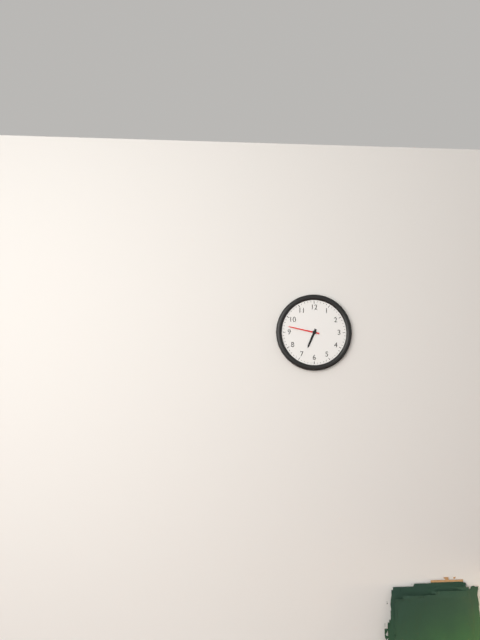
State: 6h47
